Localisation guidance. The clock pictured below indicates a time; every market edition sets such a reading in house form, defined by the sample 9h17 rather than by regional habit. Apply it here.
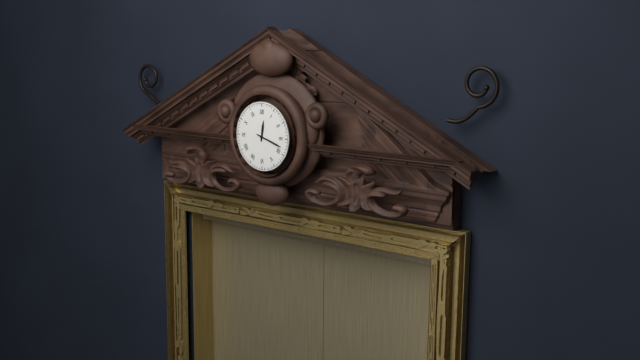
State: 12h18
